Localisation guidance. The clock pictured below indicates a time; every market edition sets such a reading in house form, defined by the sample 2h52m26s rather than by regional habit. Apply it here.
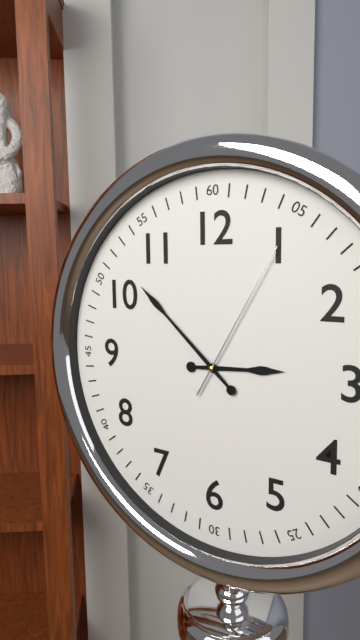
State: 2h52m05s
